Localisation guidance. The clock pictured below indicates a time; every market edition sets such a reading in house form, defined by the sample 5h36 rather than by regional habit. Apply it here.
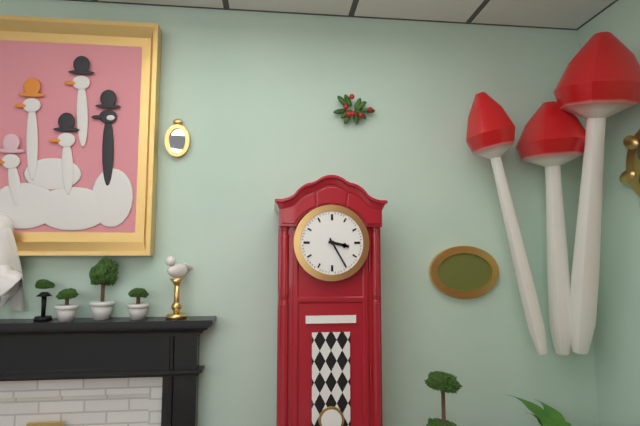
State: 3h25
